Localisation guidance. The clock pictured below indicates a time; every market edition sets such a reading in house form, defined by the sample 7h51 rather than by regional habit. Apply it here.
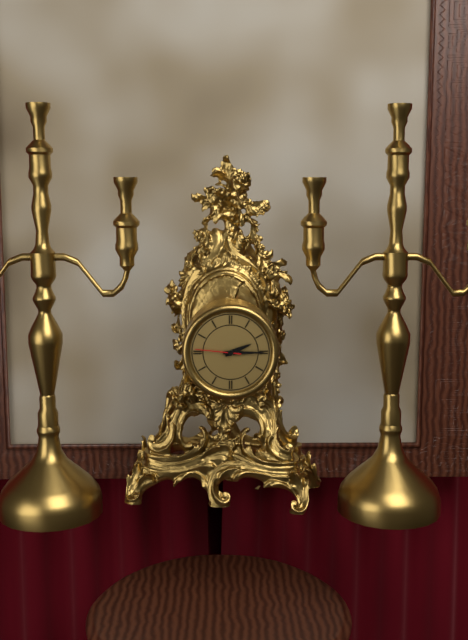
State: 2h15
